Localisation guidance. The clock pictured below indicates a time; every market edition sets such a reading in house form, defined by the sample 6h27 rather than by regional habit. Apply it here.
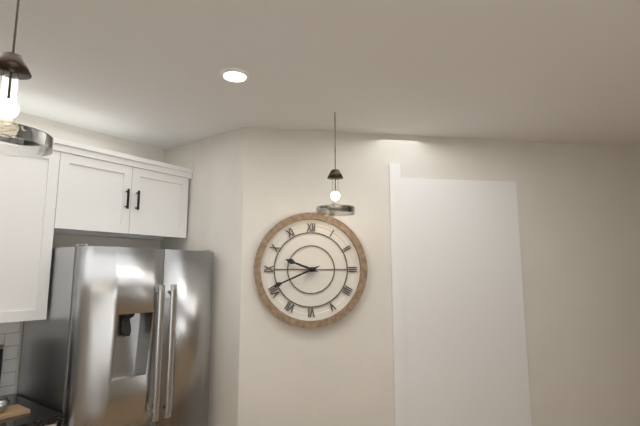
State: 9h41
